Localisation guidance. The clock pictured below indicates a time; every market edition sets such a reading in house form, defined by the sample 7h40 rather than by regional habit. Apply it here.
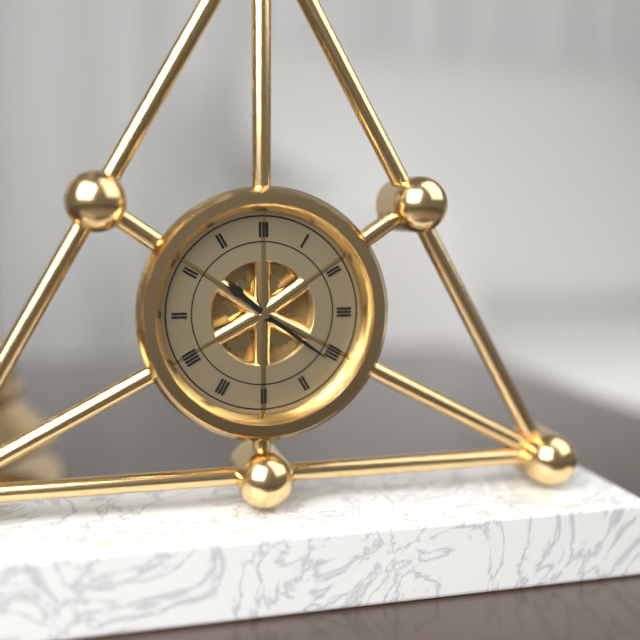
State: 10h21
